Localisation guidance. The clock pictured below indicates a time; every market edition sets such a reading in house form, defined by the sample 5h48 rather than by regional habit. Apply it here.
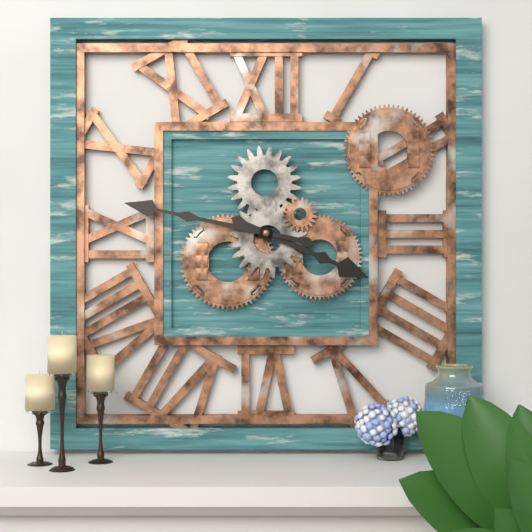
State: 3h47
